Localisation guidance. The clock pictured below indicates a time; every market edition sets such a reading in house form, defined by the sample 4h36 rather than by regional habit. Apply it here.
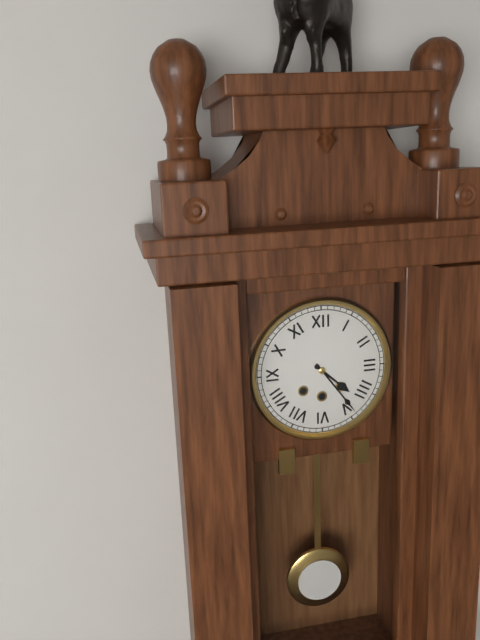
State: 4h24
